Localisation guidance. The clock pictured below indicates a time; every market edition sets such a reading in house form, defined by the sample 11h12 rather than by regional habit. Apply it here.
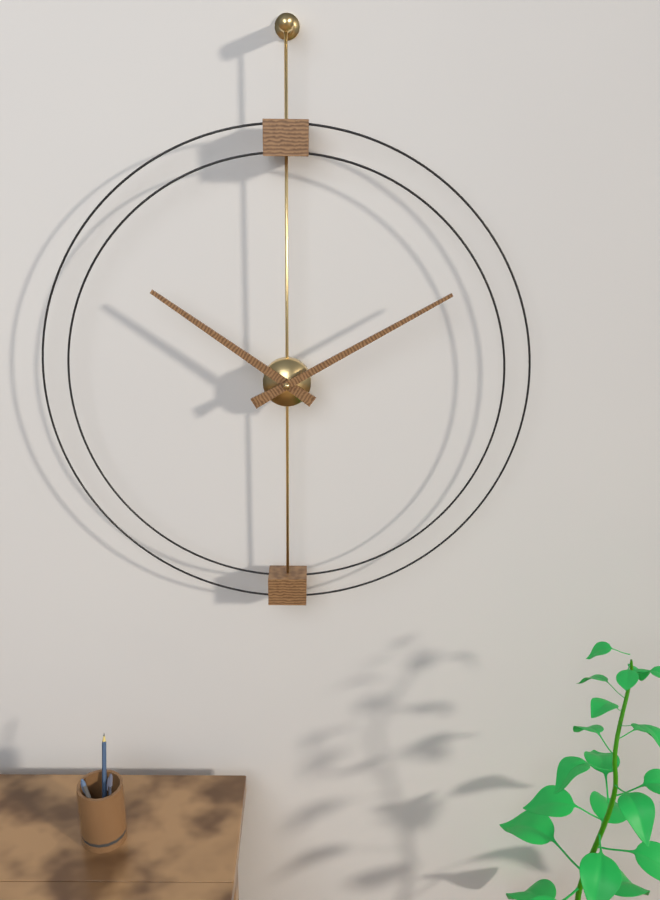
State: 10h10
